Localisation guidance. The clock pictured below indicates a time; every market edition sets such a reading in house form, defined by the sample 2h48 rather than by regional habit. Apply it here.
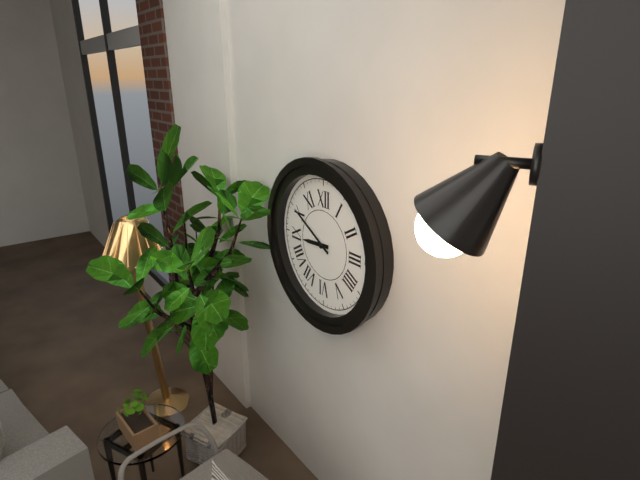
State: 8h50
